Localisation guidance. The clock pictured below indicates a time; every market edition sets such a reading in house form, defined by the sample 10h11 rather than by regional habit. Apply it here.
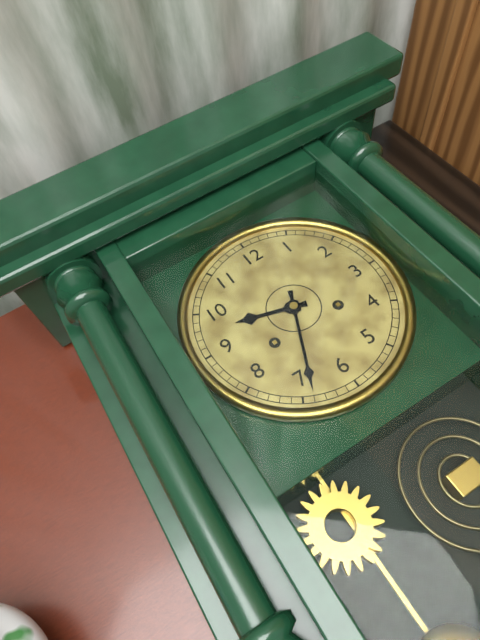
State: 9h34
